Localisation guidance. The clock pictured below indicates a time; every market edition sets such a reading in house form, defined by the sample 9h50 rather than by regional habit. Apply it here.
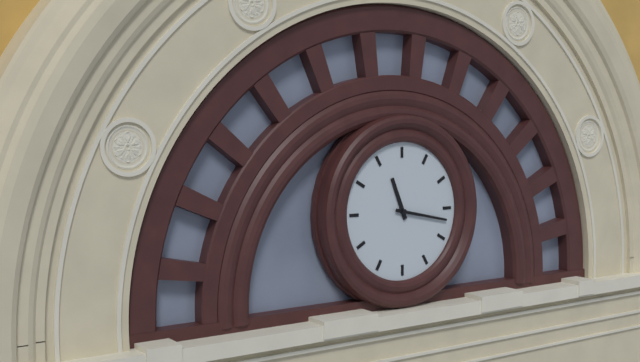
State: 11h17
